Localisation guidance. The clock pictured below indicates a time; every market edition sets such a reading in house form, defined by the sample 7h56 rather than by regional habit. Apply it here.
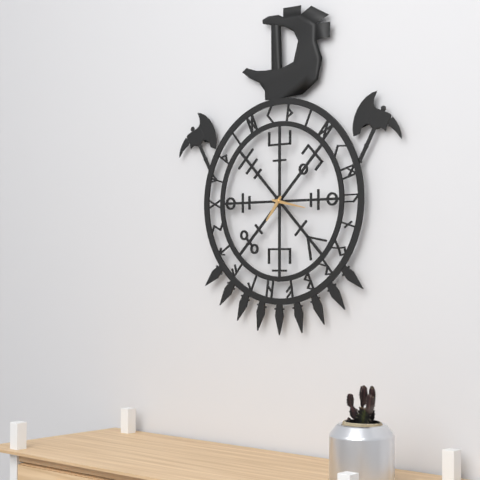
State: 7h17
